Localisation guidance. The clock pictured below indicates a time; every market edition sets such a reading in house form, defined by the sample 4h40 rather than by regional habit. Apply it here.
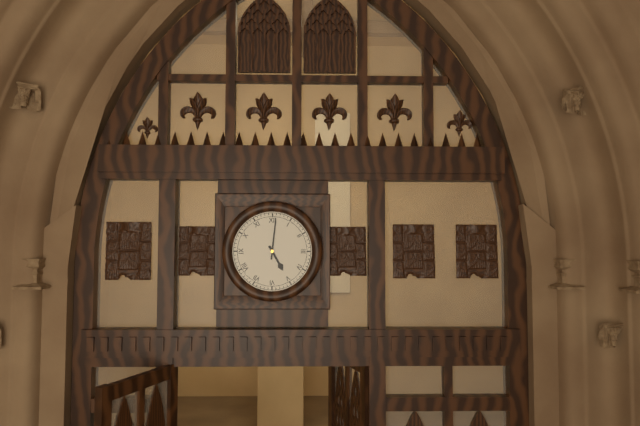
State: 5h01
